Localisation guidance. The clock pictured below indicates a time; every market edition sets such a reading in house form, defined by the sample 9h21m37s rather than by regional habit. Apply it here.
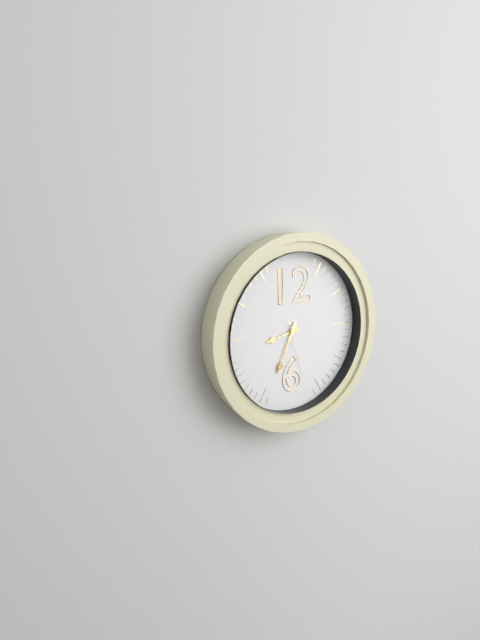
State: 8h34m27s
